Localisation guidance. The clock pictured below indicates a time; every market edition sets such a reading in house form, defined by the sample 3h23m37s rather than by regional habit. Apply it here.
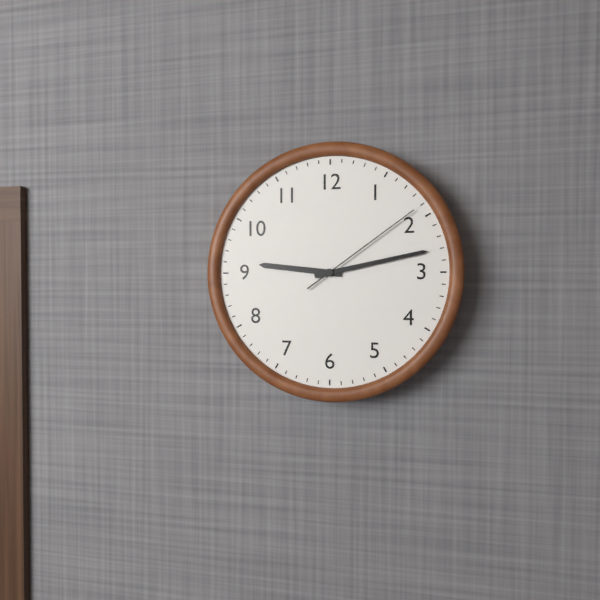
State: 9h13m09s
